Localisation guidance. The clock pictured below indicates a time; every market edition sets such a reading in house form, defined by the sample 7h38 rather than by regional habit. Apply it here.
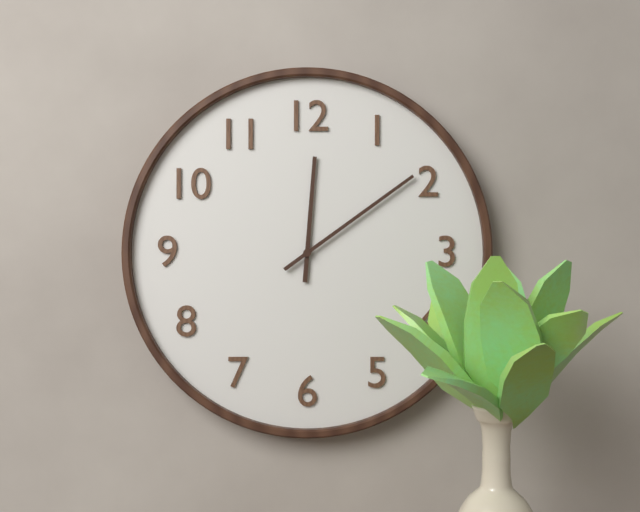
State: 12h09
